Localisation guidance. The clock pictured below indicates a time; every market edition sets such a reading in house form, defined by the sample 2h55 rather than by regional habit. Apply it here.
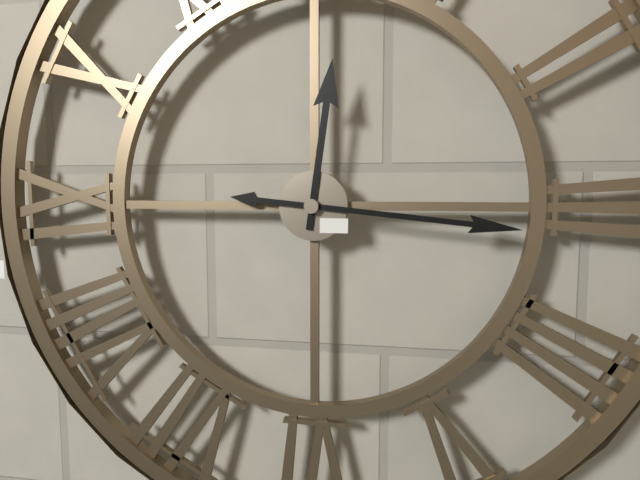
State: 12h16
